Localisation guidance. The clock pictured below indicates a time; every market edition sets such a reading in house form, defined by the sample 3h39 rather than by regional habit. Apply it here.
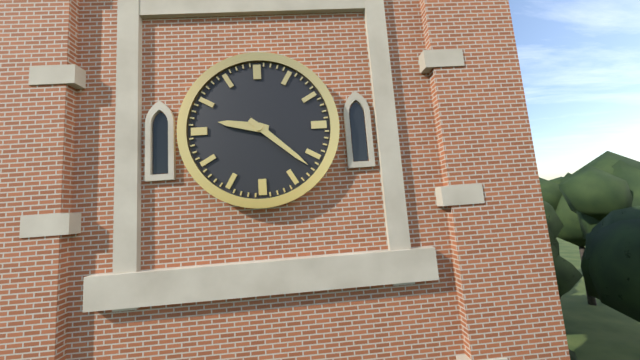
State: 9h22
